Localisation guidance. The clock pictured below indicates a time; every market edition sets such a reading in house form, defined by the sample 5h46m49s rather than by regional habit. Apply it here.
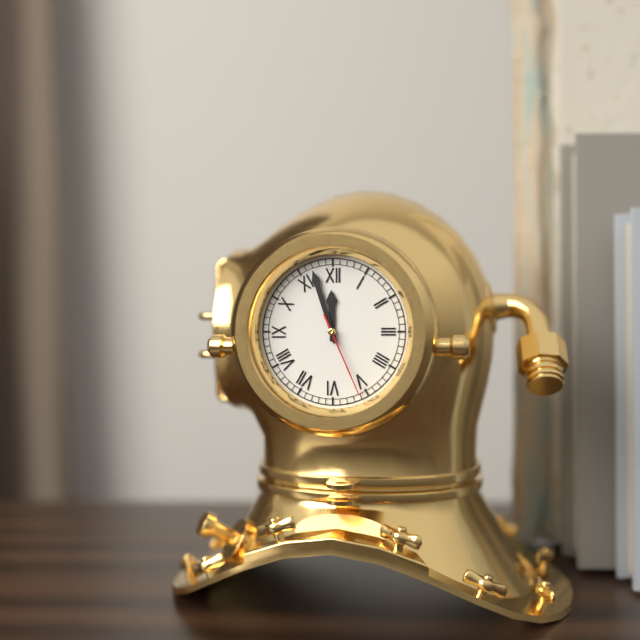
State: 11h57m26s
